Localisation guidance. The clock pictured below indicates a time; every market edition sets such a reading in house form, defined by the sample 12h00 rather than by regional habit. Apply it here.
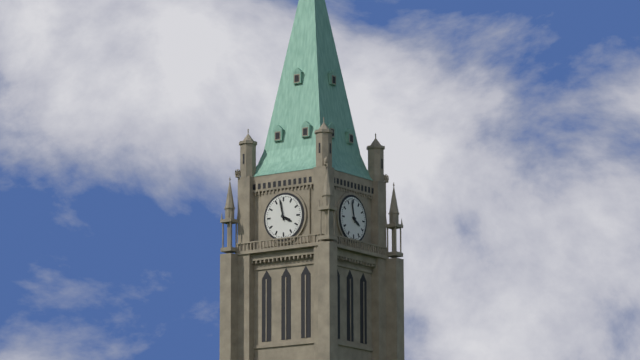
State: 3h58
